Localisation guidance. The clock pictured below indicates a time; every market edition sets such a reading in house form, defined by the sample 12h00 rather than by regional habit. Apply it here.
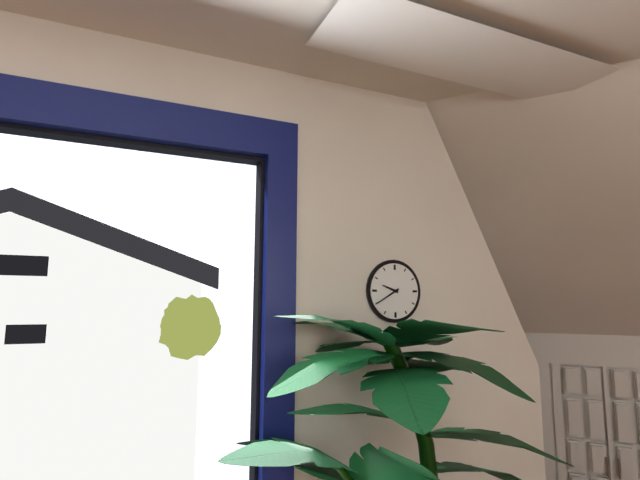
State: 9h40
